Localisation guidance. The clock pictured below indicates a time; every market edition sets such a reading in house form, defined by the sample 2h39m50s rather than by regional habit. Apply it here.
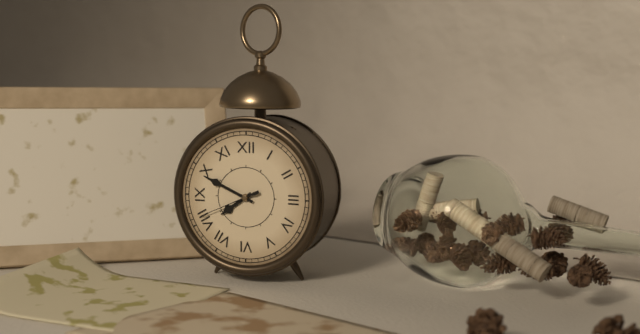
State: 7h49m41s
